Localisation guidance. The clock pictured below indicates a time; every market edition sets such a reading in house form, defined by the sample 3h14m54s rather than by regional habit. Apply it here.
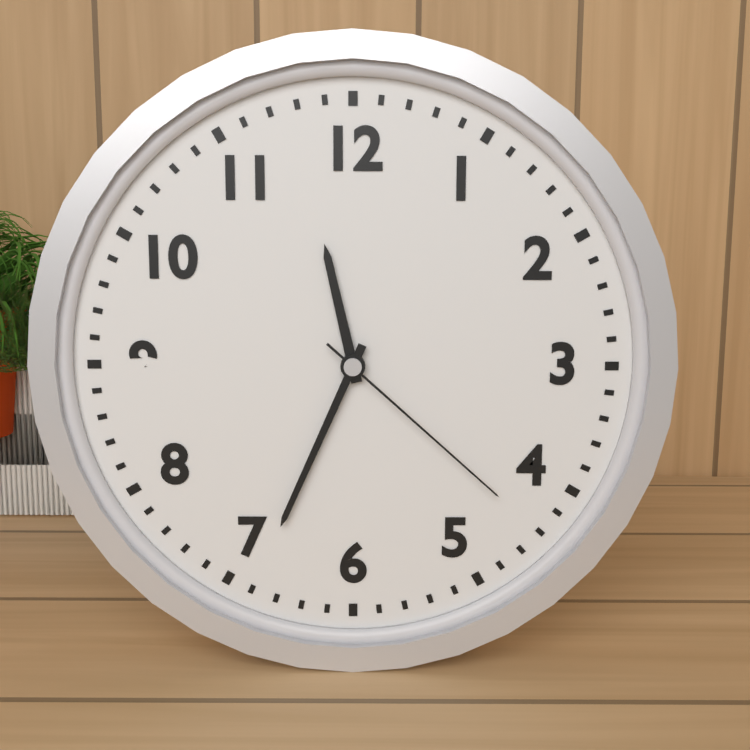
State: 11h34m22s
